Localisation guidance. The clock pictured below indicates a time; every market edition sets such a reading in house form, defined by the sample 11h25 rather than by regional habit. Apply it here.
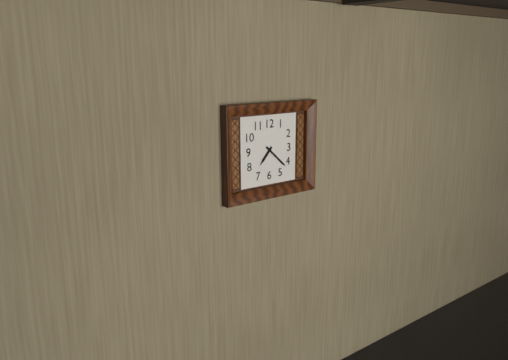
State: 7h22
